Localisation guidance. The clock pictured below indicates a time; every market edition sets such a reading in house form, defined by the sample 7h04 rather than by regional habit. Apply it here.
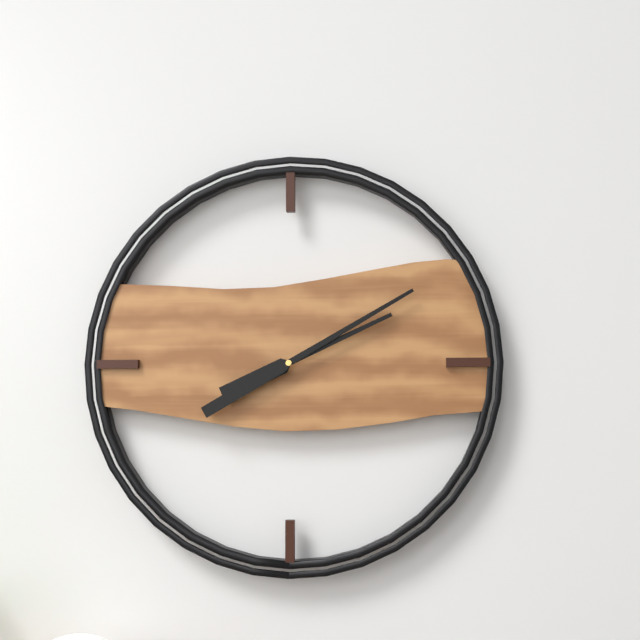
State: 2h10
